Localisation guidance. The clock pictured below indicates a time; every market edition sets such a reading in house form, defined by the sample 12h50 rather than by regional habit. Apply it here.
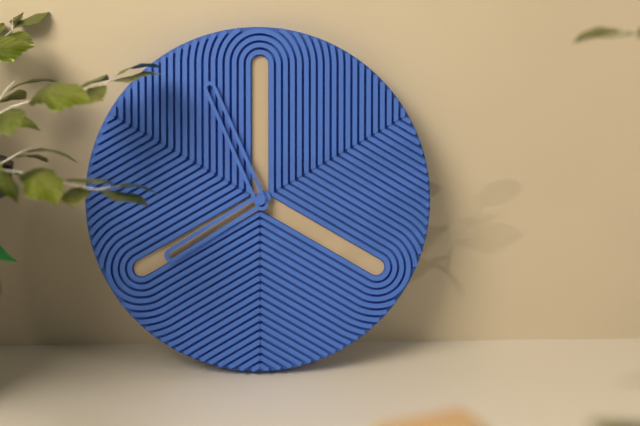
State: 7h56
